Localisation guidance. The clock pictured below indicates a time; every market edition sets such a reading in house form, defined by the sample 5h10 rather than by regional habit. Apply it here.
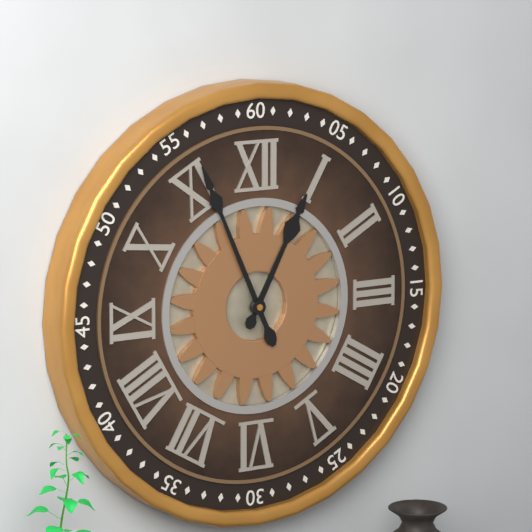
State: 12h56
